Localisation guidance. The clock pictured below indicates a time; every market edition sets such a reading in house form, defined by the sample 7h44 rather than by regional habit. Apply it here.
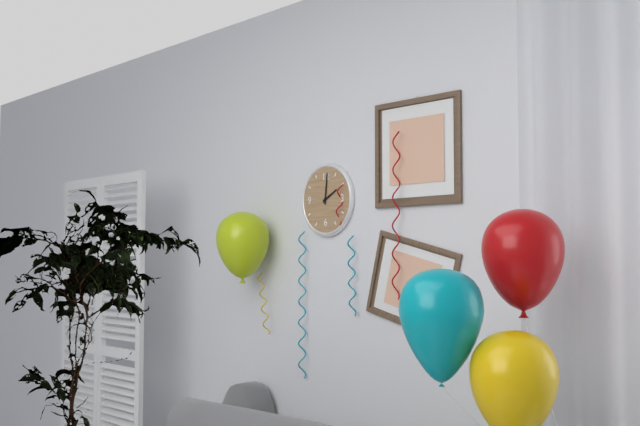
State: 2h01
